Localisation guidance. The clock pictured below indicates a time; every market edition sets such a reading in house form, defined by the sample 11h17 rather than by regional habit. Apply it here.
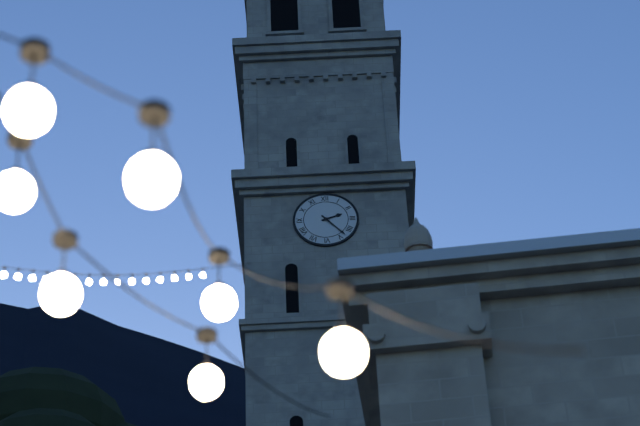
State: 2h23
